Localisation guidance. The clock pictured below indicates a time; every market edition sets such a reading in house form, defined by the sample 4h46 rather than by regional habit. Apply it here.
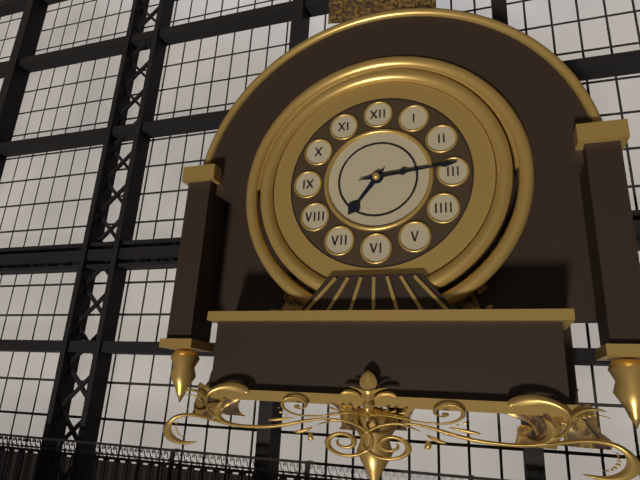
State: 7h14
